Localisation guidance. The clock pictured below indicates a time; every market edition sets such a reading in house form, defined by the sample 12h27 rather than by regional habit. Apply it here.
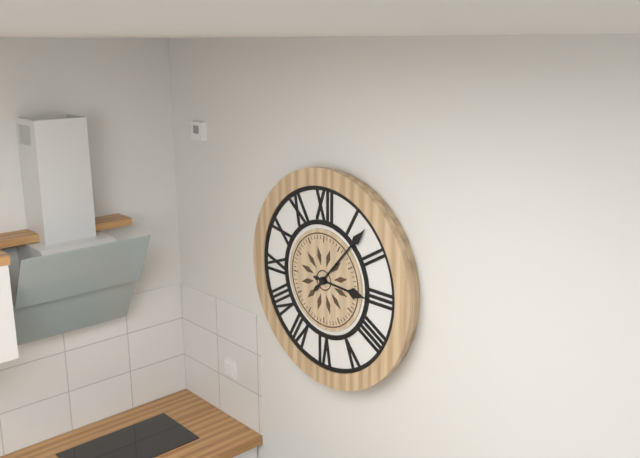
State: 3h07
